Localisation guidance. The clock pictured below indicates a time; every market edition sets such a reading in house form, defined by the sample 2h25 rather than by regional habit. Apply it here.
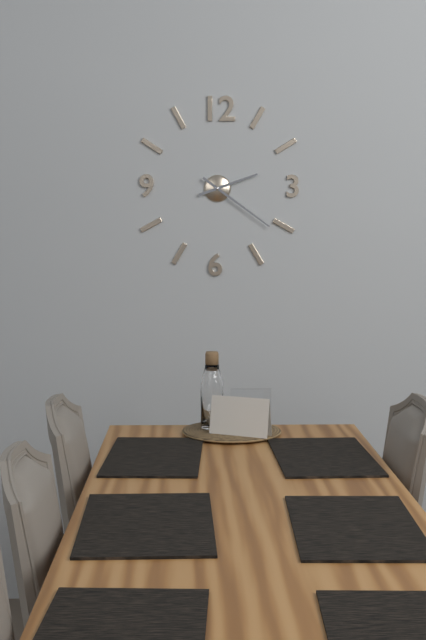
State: 2h21
